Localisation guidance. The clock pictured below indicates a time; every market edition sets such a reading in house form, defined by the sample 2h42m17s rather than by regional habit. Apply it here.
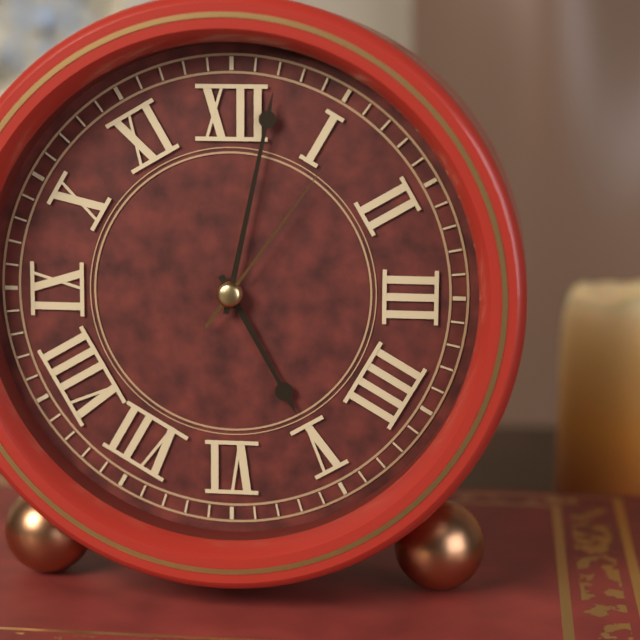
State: 5h02m06s
